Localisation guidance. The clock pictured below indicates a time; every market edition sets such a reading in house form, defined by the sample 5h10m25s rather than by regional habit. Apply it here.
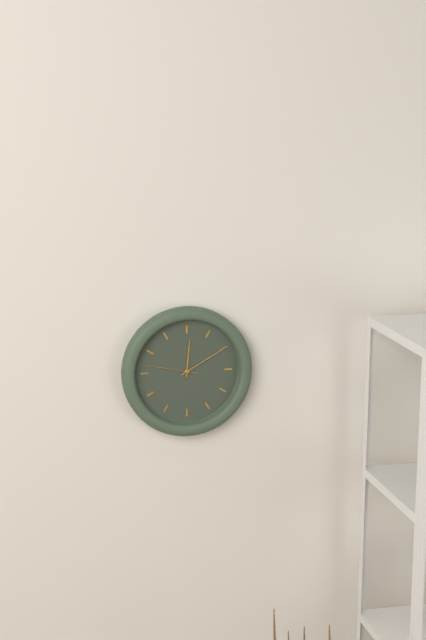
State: 12h10m47s
